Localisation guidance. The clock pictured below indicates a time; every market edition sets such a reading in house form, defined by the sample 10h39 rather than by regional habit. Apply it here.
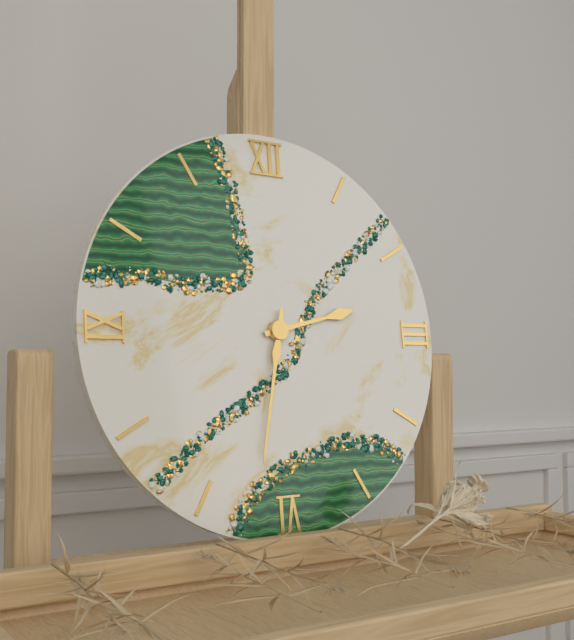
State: 2h32
